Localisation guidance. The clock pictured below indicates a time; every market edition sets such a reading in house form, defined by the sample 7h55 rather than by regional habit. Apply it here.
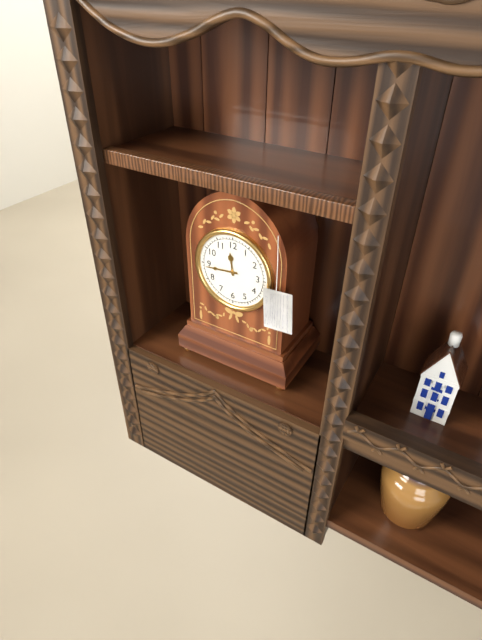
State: 11h44
